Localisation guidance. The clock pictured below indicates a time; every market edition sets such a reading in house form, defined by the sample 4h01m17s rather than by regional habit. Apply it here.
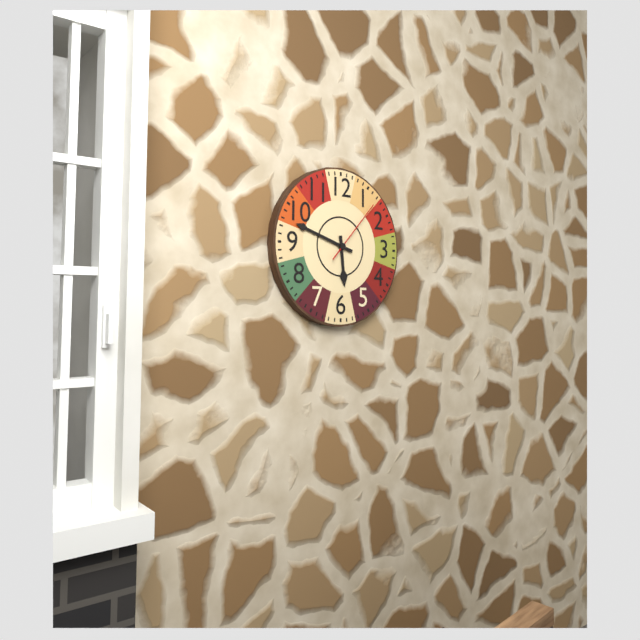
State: 5h48m07s
